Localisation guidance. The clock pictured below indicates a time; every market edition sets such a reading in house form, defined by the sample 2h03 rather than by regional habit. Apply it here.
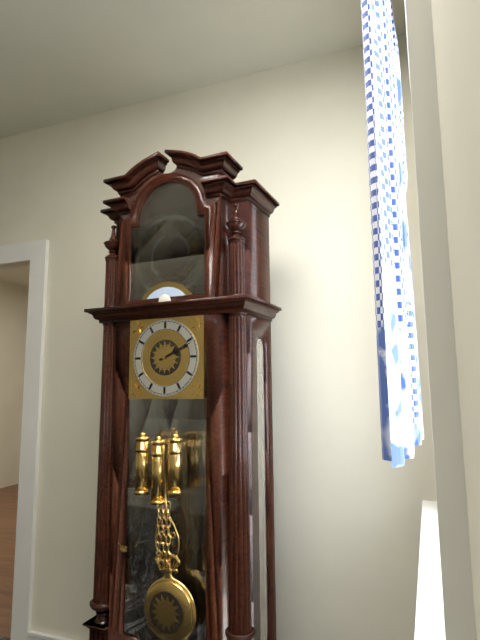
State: 2h11
